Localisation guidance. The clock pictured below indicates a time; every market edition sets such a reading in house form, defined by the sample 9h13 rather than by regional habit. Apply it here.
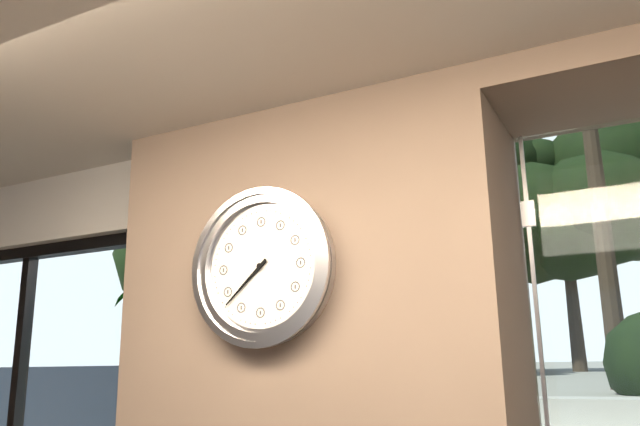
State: 7h38
